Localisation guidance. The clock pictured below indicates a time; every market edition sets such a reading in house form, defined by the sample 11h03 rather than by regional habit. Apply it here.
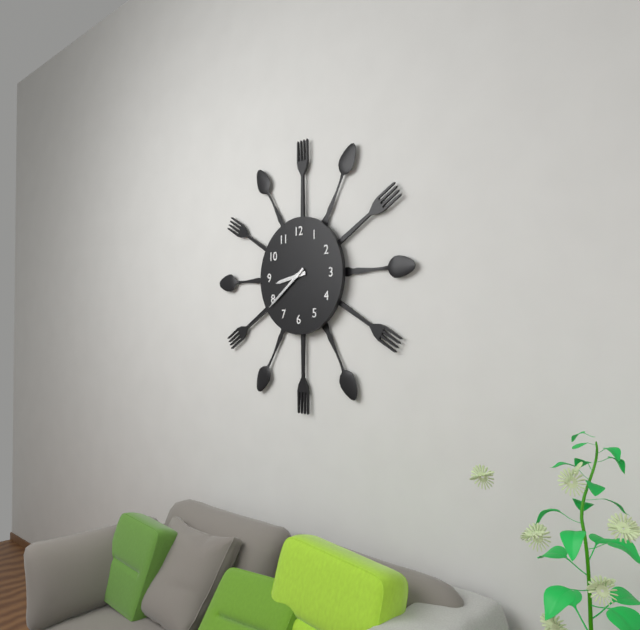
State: 8h39
